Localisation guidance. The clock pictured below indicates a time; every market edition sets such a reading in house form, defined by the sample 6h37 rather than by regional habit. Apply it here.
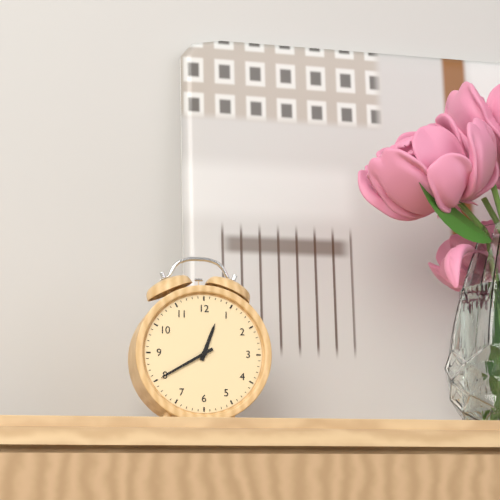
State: 12h40
